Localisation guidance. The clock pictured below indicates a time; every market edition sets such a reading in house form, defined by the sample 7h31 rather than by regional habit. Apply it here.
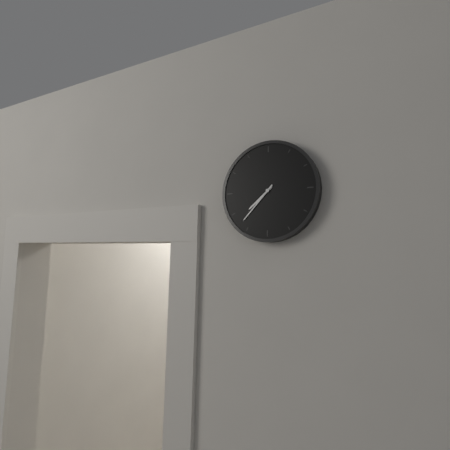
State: 7h37
